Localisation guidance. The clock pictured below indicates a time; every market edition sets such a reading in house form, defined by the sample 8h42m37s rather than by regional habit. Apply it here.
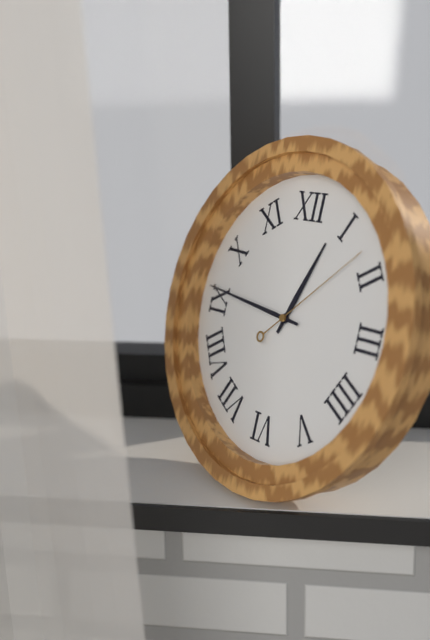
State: 12h46m08s
